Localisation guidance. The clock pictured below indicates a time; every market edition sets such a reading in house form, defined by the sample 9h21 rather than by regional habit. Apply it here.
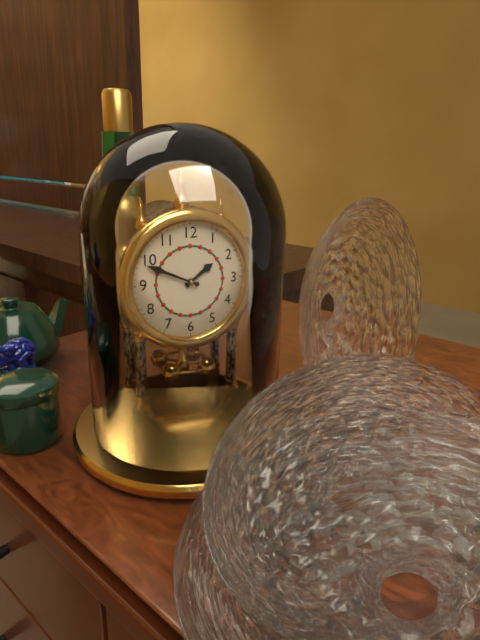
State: 1h49
